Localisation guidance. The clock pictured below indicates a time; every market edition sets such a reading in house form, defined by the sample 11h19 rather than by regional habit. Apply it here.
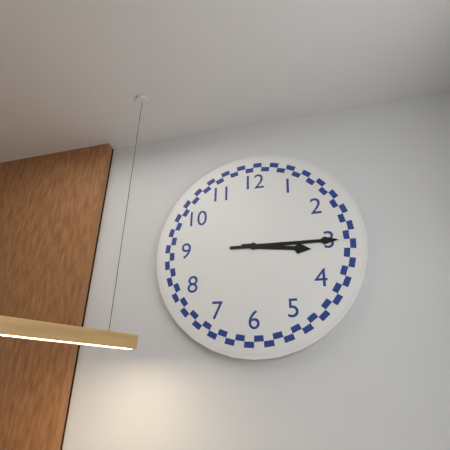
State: 3h15
